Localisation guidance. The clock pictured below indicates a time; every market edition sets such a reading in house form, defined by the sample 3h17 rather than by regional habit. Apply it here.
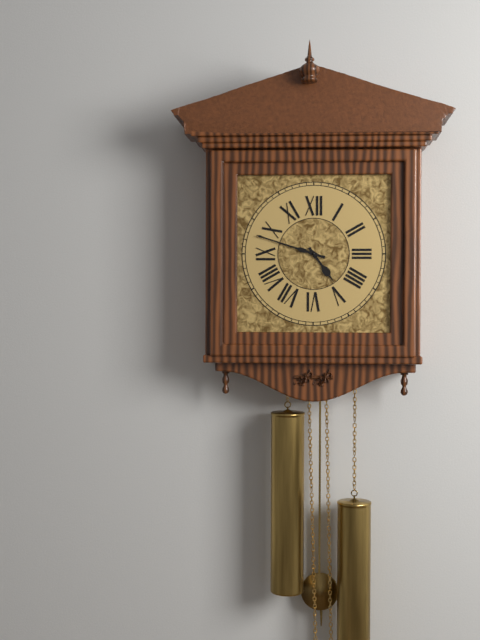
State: 4h48
